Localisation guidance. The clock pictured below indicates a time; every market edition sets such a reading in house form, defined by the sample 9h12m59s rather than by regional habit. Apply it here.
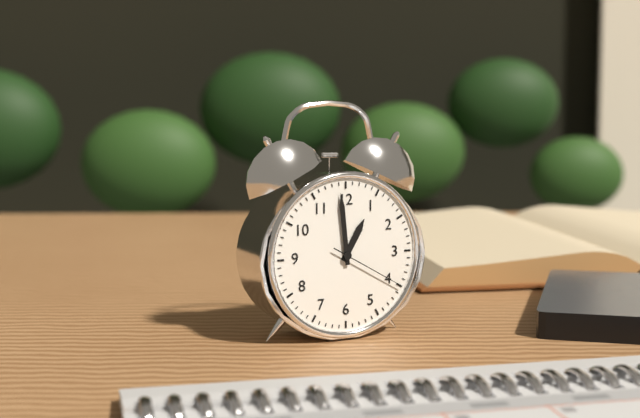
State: 12h59m20s
